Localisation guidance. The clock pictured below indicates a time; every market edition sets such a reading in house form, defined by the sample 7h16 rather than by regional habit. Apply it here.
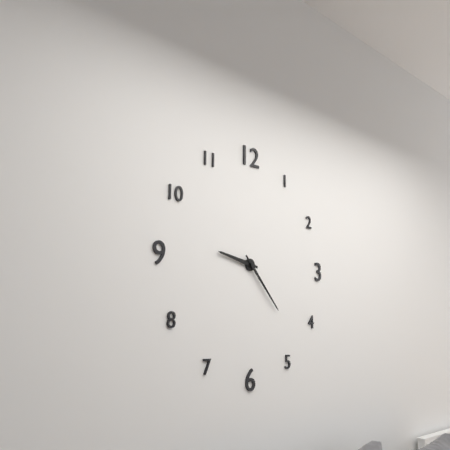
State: 9h23
